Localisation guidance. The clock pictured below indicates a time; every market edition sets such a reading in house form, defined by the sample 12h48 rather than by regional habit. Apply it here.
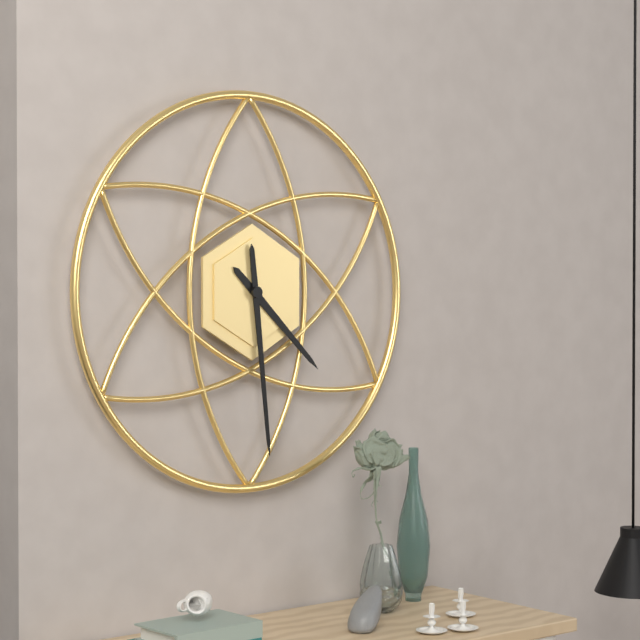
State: 4h29
